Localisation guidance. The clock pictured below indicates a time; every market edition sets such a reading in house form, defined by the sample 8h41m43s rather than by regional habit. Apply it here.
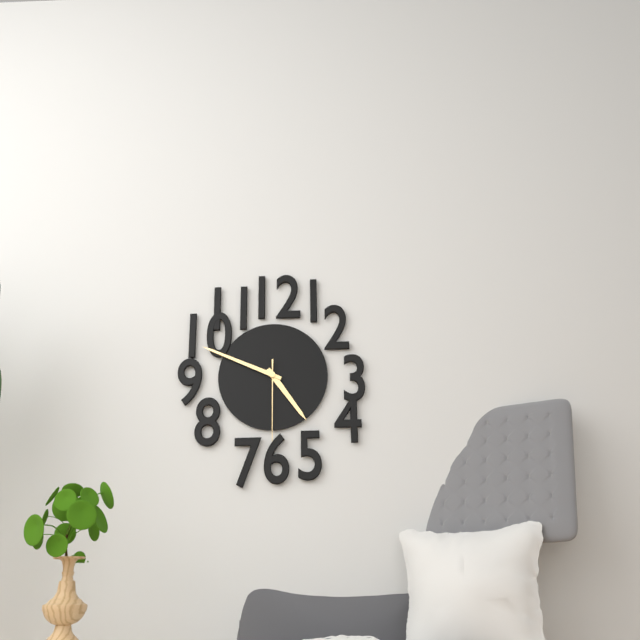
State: 4h49m30s
